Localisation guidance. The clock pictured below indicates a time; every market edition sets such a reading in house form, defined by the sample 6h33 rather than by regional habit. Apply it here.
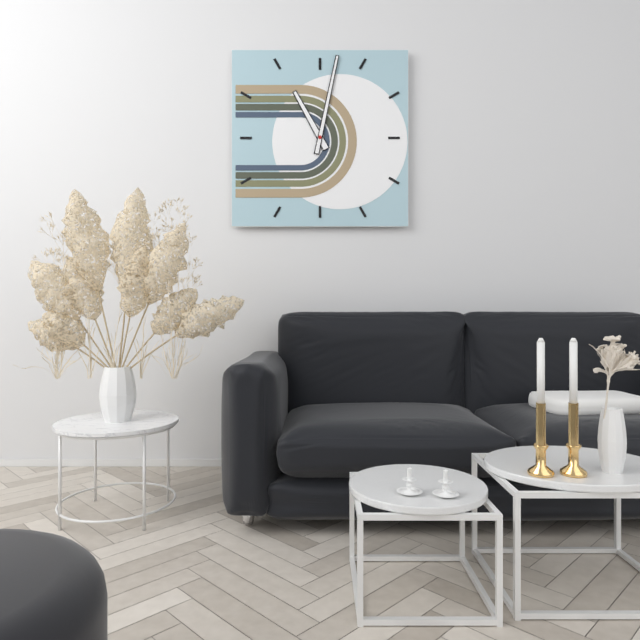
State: 11h02
